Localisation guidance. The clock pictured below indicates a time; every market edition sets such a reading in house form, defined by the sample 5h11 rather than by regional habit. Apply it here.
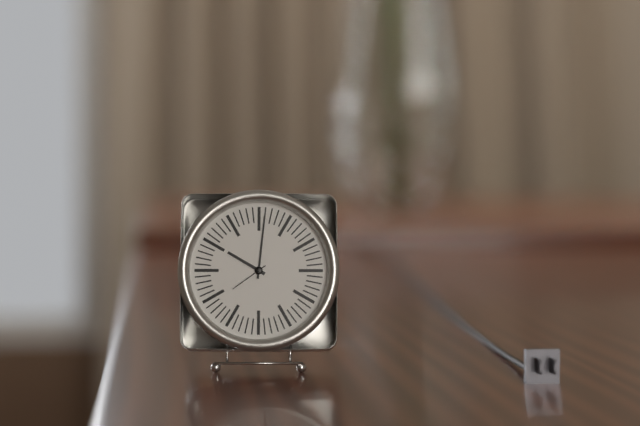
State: 10h01
